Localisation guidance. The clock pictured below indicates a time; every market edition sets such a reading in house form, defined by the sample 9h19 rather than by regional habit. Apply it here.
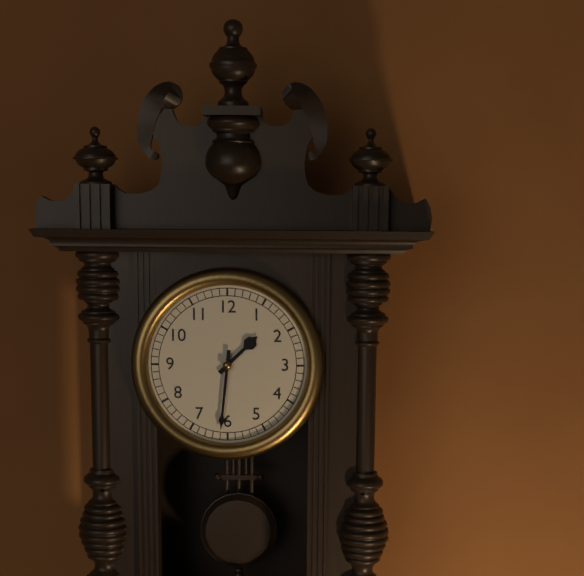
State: 1h31
